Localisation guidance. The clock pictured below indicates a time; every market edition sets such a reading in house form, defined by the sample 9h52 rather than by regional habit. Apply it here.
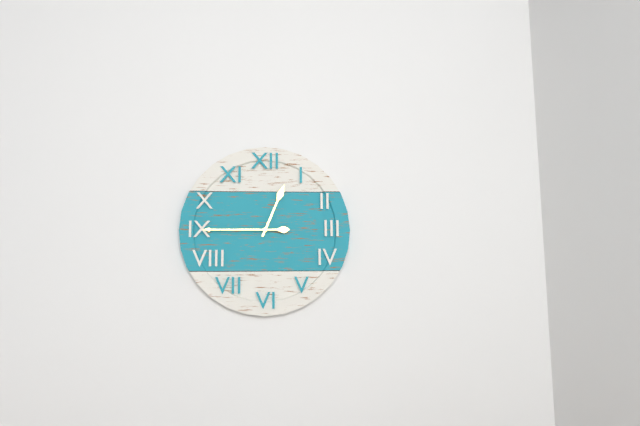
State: 12h45
